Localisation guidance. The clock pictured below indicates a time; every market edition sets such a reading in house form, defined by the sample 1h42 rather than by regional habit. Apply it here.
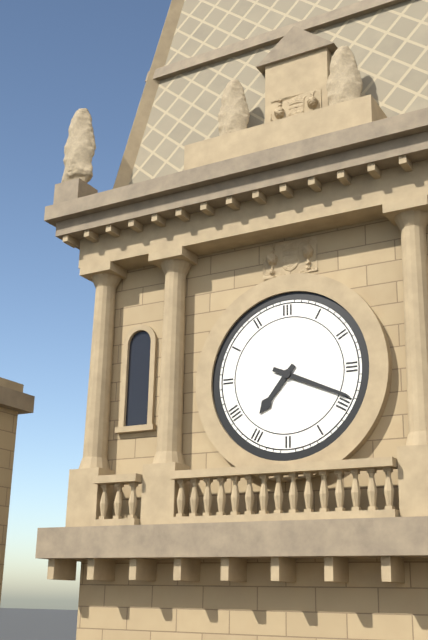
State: 7h19
